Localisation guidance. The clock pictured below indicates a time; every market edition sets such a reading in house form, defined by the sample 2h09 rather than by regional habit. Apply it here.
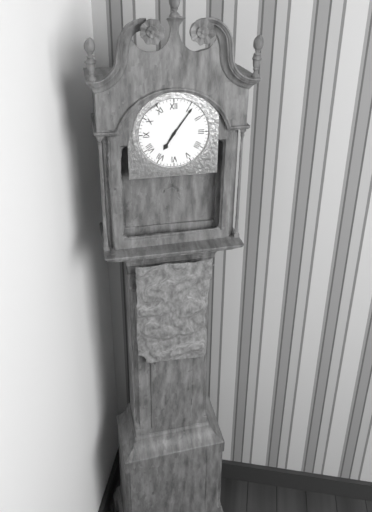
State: 7h06
